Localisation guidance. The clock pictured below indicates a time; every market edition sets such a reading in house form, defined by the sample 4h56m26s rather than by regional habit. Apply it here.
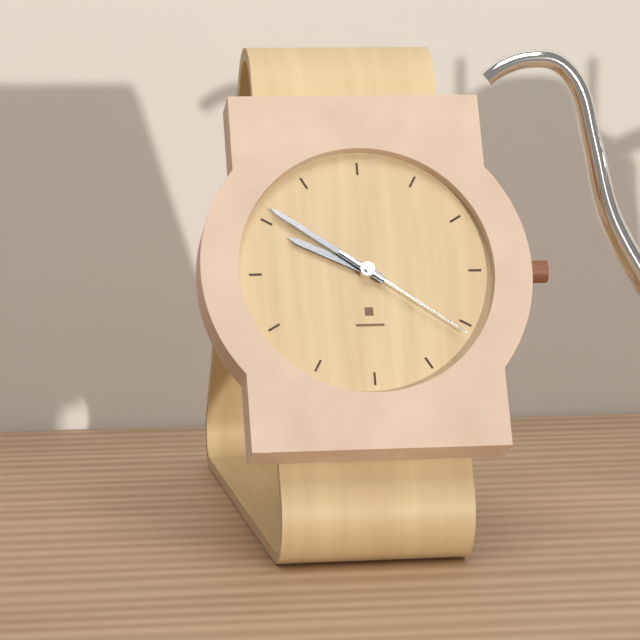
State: 9h51m21s
